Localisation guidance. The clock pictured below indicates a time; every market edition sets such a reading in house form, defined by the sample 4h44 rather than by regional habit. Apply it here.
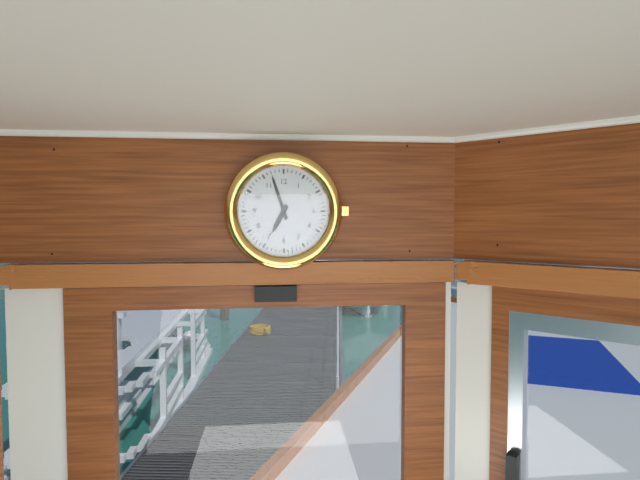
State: 6h57
